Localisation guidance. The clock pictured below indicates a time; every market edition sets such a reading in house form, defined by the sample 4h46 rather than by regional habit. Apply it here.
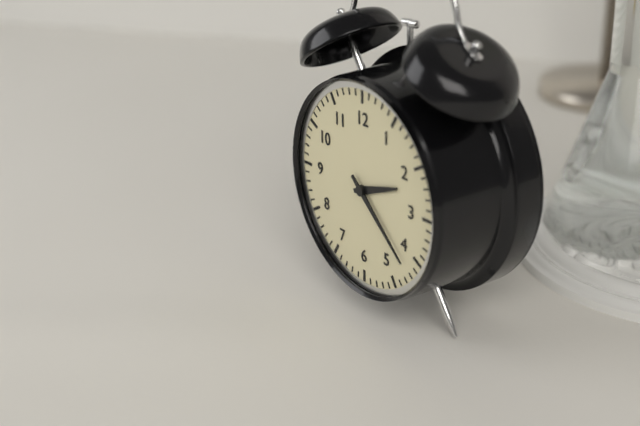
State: 2h22
